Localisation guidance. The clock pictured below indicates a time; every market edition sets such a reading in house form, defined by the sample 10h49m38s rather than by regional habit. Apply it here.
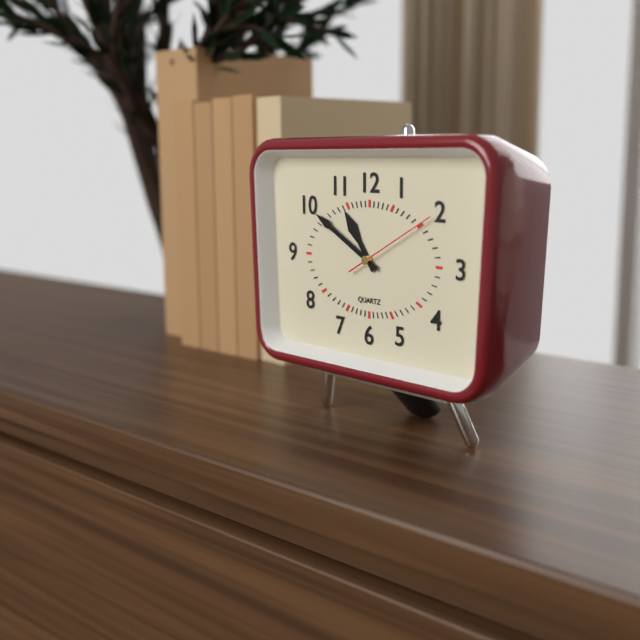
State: 10h50m10s
